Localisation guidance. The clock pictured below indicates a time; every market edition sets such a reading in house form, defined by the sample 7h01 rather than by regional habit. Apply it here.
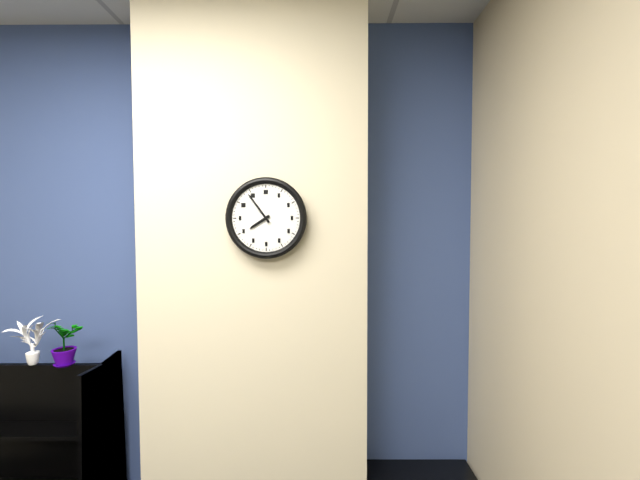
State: 7h54
